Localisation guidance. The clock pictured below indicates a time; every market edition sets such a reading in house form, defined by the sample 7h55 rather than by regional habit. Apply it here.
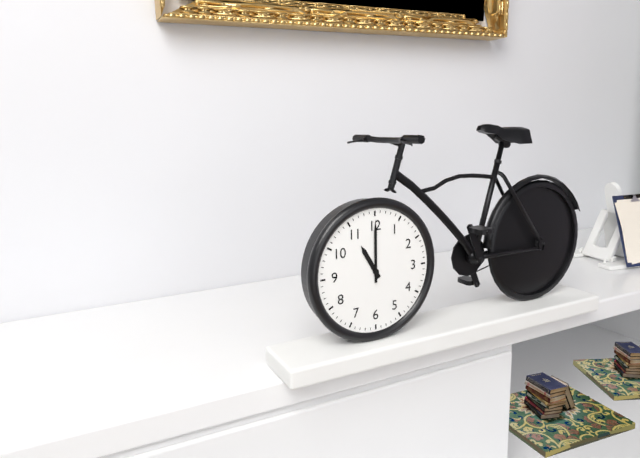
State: 11h00
